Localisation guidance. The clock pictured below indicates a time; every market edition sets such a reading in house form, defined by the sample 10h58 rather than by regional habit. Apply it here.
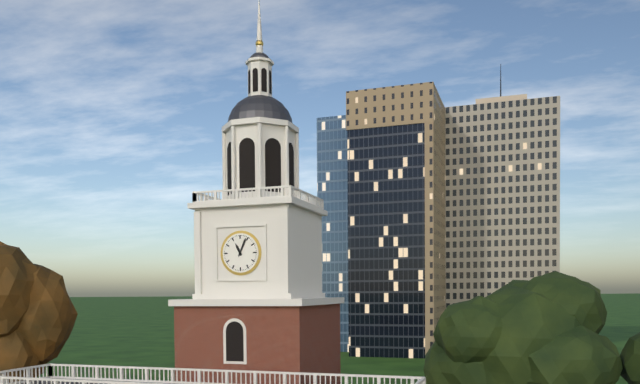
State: 11h04
